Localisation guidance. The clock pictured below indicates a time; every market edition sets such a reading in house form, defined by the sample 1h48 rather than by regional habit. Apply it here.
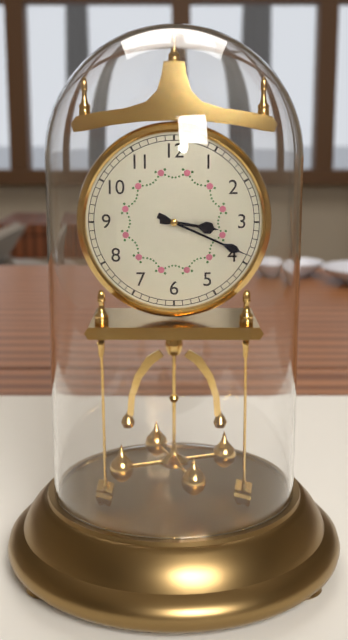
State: 3h19
